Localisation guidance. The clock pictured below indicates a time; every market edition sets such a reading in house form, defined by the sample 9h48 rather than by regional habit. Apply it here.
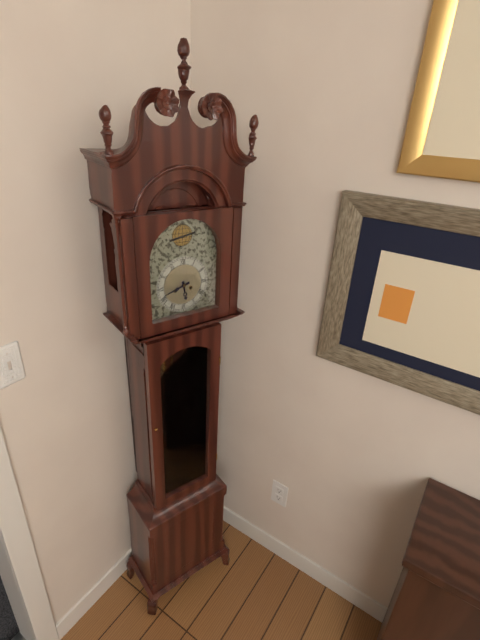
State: 5h42
